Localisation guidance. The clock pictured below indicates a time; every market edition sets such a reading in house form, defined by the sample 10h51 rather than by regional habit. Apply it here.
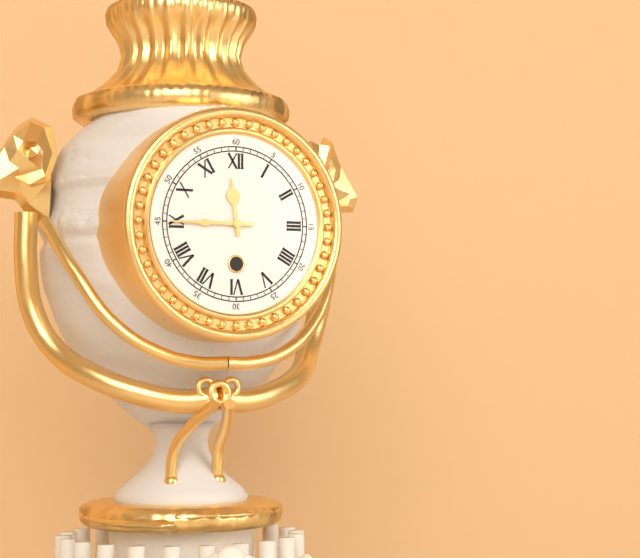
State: 11h45
